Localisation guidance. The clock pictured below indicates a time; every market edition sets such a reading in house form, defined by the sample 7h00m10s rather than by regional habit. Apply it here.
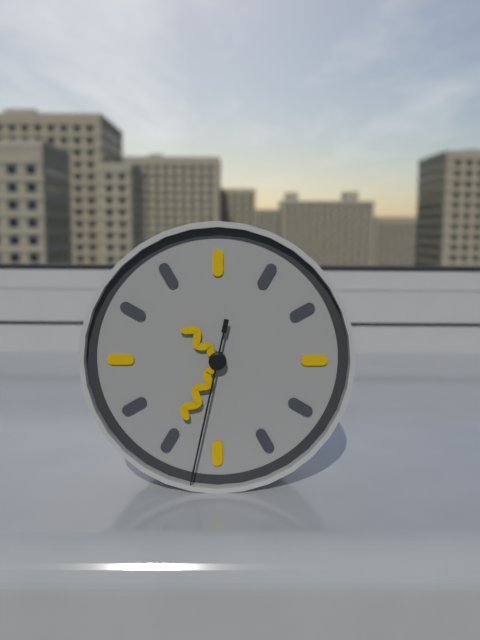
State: 10h35m32s
